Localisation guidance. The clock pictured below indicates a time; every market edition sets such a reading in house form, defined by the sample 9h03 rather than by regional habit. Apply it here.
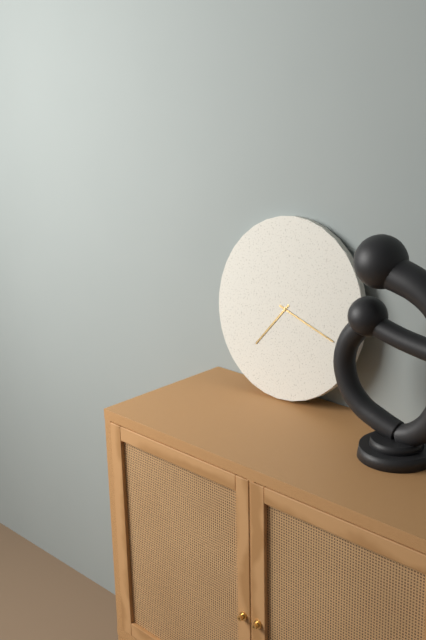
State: 7h18
